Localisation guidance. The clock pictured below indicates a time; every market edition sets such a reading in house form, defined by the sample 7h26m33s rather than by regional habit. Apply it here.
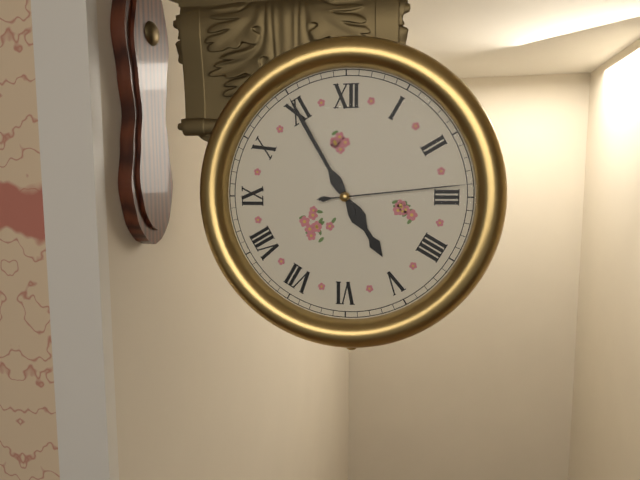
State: 4h55m14s
